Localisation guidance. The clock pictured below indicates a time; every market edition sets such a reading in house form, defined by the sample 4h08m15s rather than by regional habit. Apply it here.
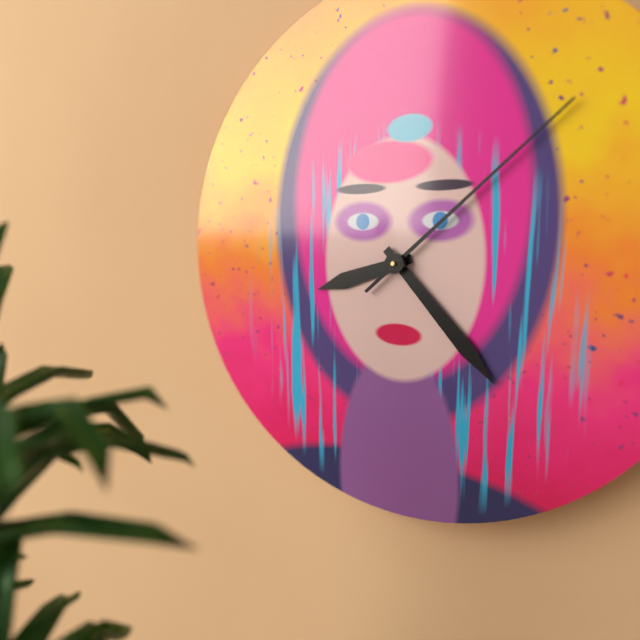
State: 8h23m08s
